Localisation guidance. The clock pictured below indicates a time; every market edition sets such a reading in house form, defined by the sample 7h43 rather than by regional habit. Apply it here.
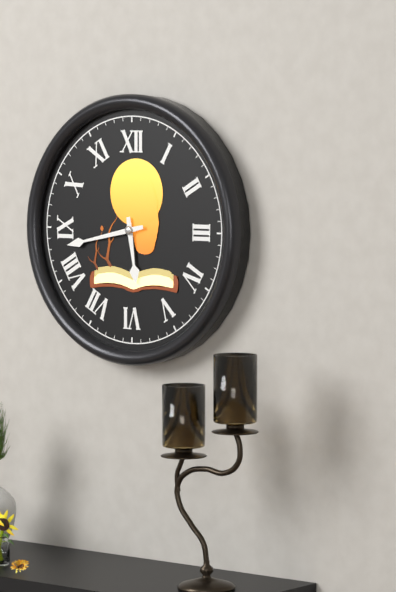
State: 5h43
